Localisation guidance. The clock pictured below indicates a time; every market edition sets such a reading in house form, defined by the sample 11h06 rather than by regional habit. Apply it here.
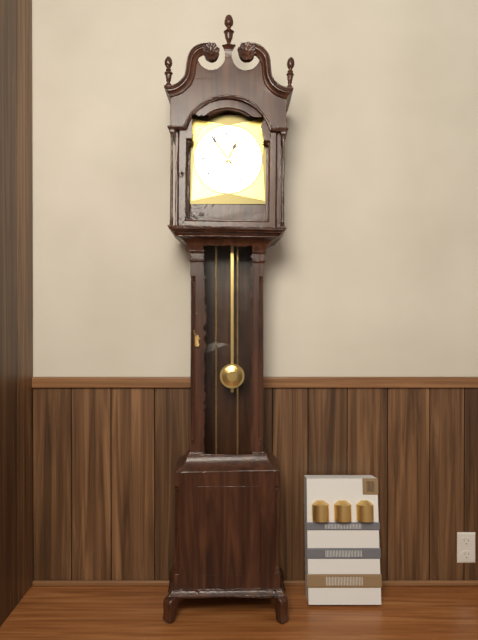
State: 12h54
